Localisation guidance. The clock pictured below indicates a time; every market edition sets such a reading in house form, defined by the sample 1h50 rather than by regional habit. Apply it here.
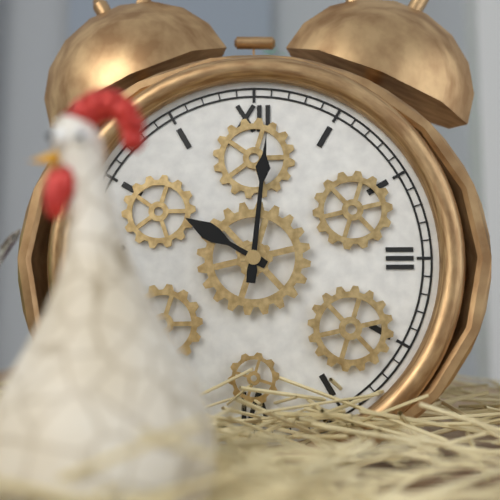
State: 10h01
